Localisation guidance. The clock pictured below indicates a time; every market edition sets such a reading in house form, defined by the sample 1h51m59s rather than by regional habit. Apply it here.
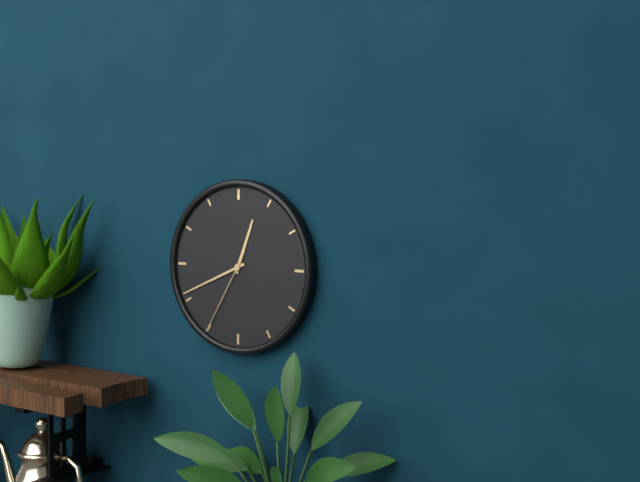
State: 12h41m35s
